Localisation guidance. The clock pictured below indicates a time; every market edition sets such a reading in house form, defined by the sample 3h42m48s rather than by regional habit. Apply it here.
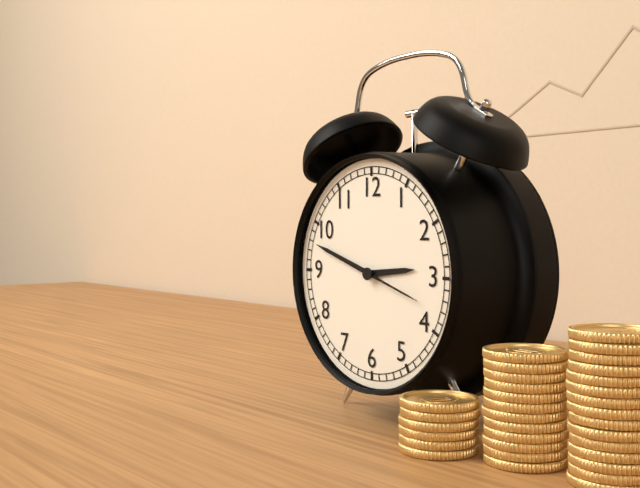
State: 2h48m18s
